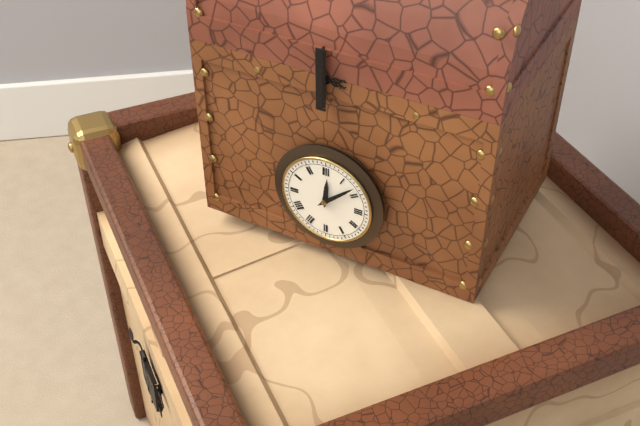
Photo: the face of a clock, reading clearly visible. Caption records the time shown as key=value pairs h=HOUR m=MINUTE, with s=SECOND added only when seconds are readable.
h=12 m=8
